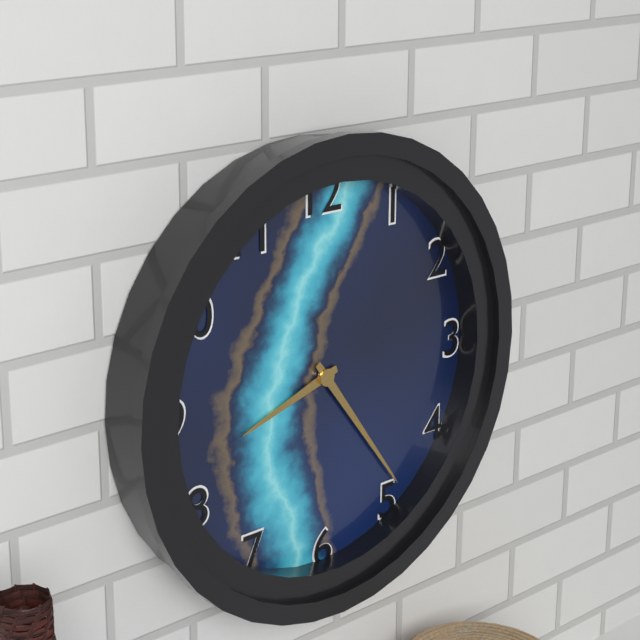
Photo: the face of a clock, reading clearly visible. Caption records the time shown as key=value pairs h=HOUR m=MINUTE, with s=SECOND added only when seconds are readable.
h=8 m=24
